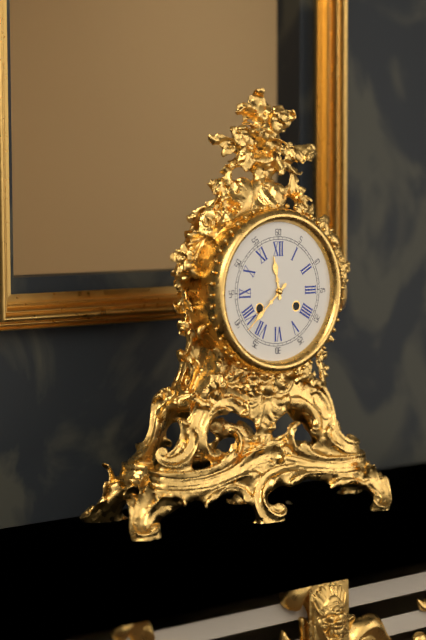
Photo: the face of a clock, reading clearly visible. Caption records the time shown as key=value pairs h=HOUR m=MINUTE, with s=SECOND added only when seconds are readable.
h=11 m=38
